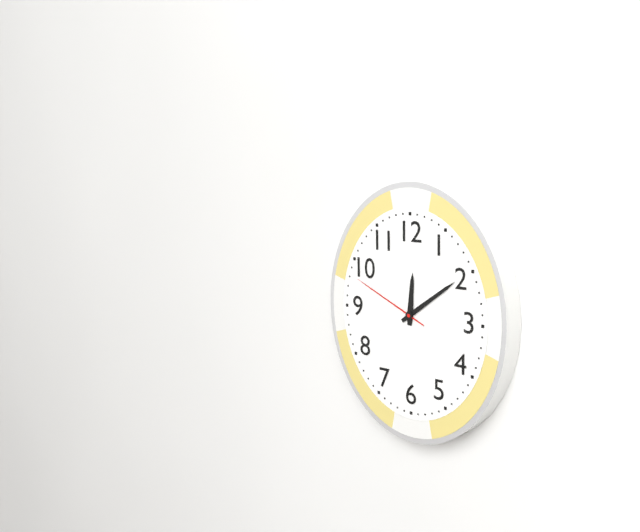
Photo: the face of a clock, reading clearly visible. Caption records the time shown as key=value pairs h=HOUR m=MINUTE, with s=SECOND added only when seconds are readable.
h=12 m=9 s=49
